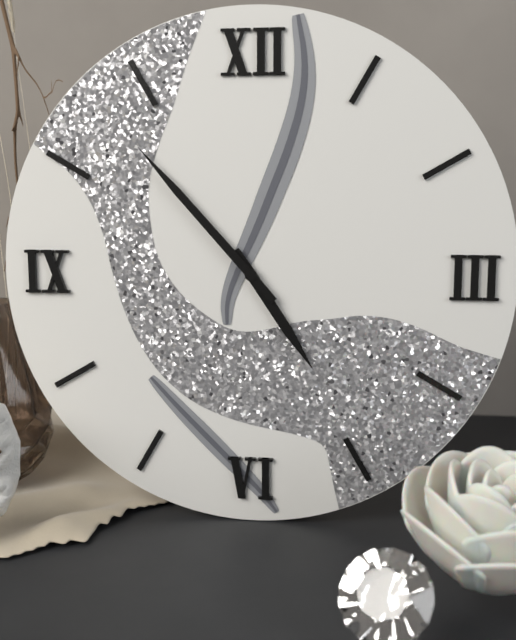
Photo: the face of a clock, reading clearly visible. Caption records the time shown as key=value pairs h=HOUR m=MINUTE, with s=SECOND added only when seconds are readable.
h=4 m=53
